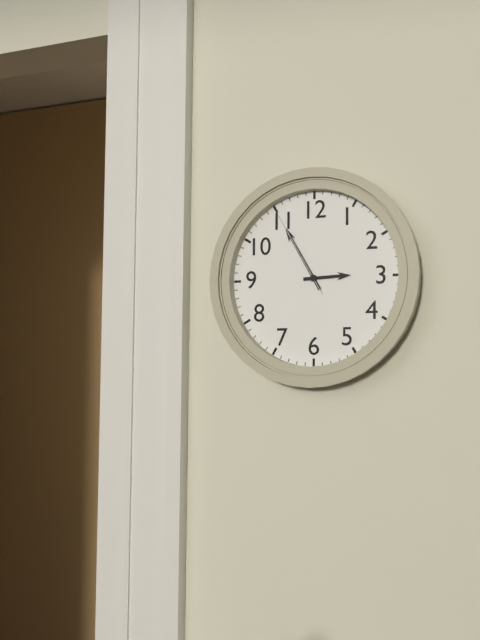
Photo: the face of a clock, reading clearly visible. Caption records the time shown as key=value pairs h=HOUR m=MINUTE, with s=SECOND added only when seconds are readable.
h=2 m=55 s=55
